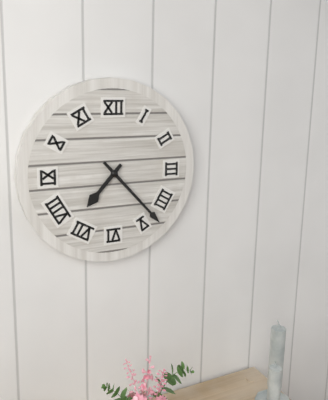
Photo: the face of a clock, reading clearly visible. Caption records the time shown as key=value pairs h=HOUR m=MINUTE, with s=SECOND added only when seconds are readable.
h=7 m=23
